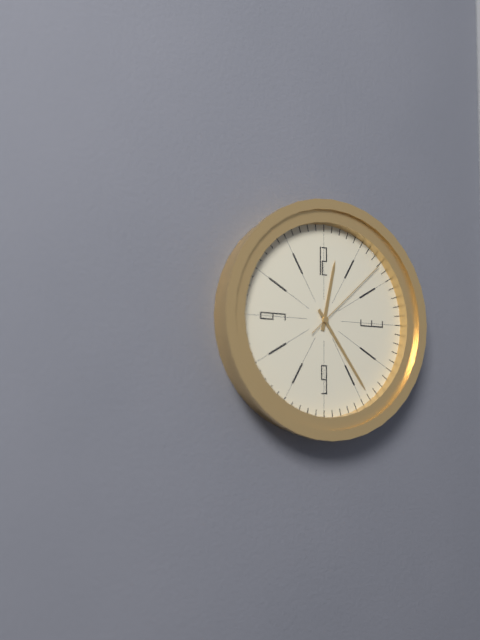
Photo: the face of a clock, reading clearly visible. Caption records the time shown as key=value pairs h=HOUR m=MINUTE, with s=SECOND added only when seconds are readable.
h=12 m=24 s=8
